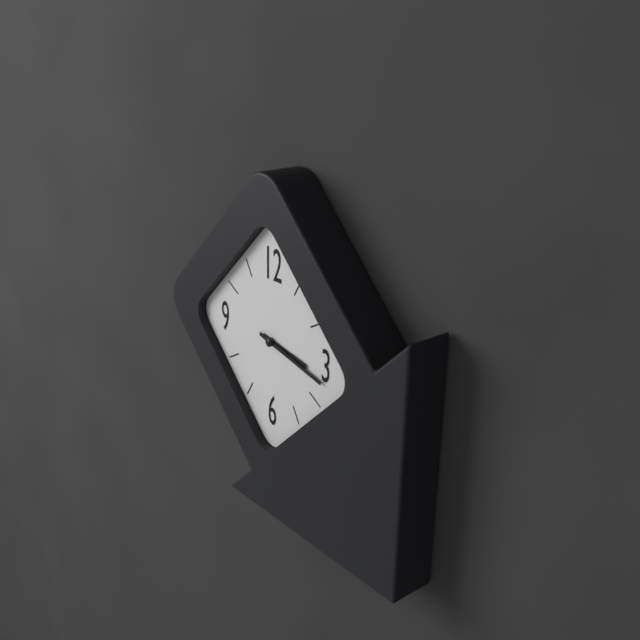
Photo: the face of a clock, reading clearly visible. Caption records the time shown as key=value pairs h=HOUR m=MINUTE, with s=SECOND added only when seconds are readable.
h=3 m=17
